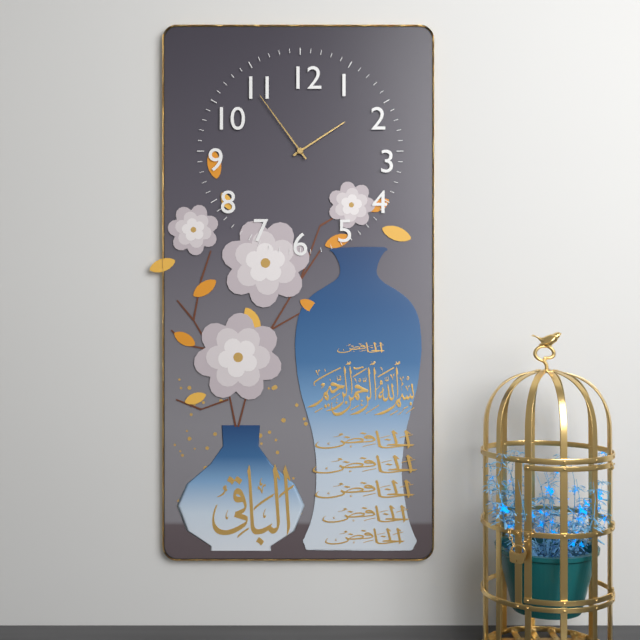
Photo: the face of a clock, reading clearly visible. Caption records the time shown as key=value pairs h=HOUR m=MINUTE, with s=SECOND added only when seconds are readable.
h=1 m=54
